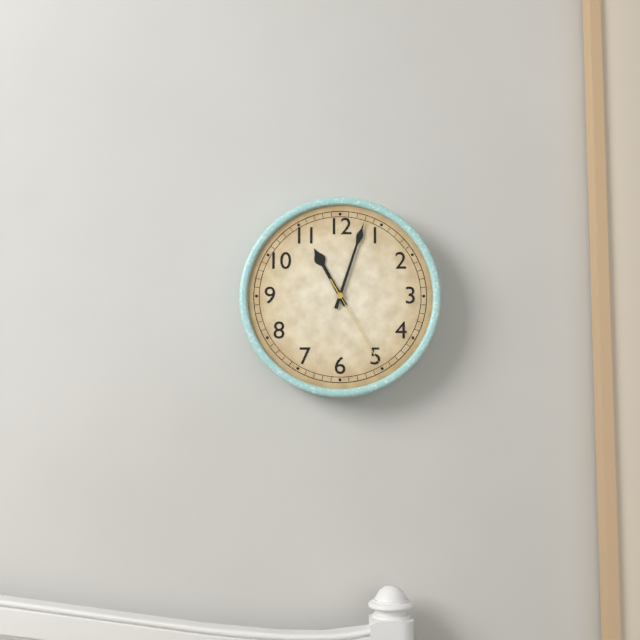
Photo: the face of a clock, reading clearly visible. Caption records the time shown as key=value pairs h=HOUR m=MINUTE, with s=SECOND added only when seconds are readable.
h=11 m=3 s=25
